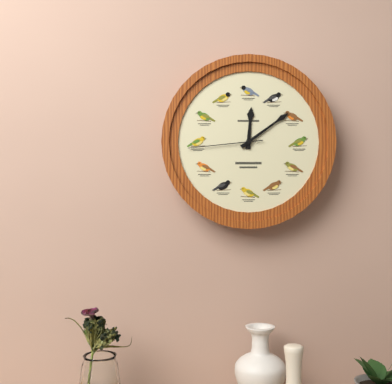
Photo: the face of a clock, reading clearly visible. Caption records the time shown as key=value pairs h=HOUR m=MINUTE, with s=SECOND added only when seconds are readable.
h=12 m=9 s=44
